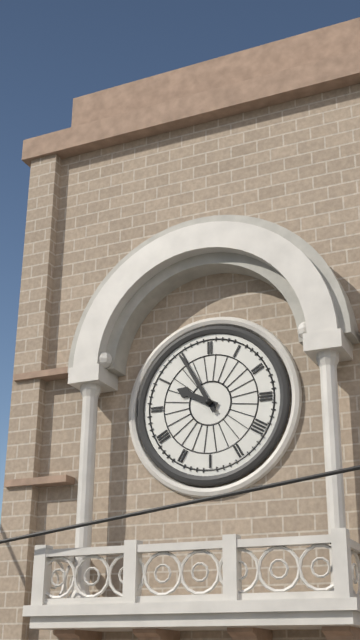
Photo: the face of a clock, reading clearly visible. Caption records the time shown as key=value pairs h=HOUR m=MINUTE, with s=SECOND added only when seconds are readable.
h=9 m=55
